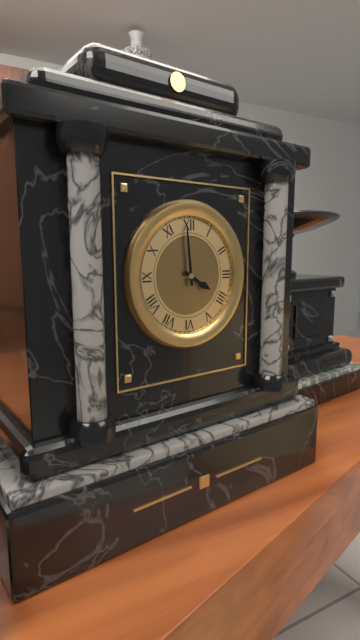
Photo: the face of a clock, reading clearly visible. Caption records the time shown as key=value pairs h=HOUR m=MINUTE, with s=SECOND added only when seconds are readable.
h=3 m=59
